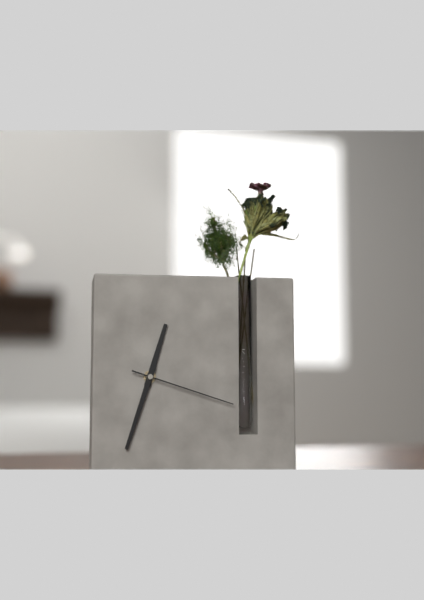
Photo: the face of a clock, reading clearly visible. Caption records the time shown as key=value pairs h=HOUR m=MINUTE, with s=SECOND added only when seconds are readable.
h=12 m=33 s=18
